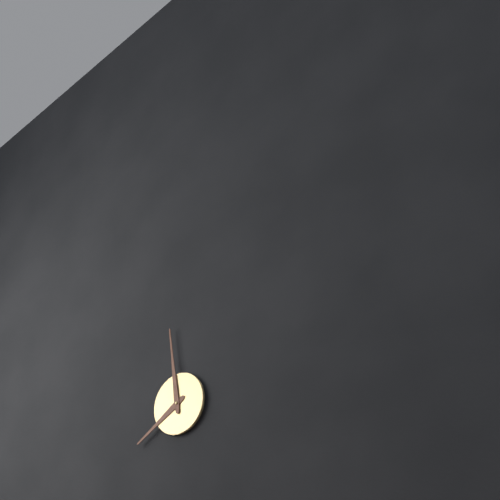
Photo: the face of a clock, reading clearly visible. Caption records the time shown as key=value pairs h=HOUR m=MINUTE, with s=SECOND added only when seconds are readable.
h=7 m=59
